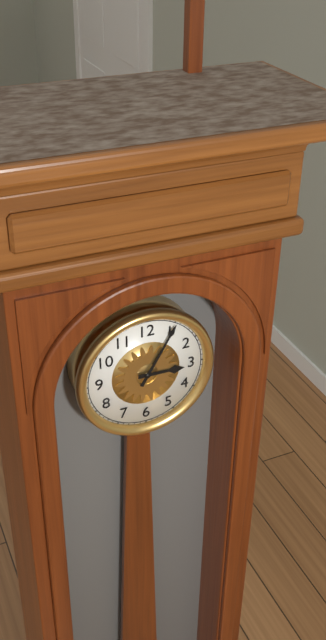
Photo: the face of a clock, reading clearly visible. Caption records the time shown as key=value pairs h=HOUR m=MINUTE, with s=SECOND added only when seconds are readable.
h=3 m=5
